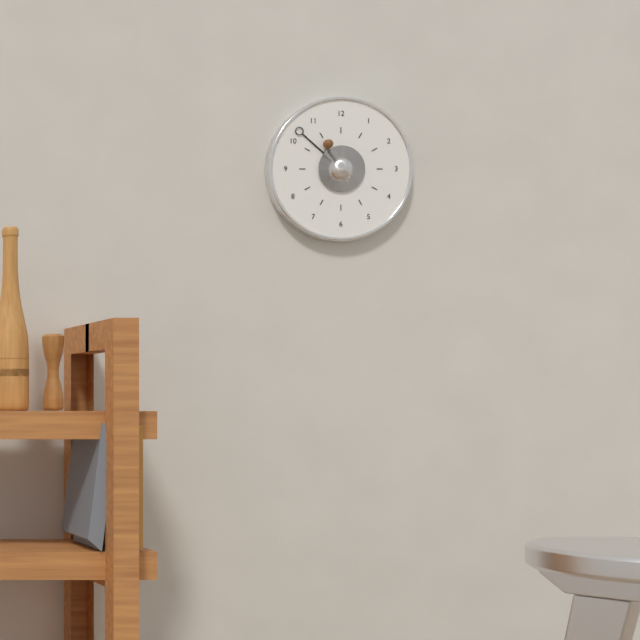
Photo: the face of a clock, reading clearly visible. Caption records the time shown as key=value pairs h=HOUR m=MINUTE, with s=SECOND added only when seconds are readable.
h=10 m=52
